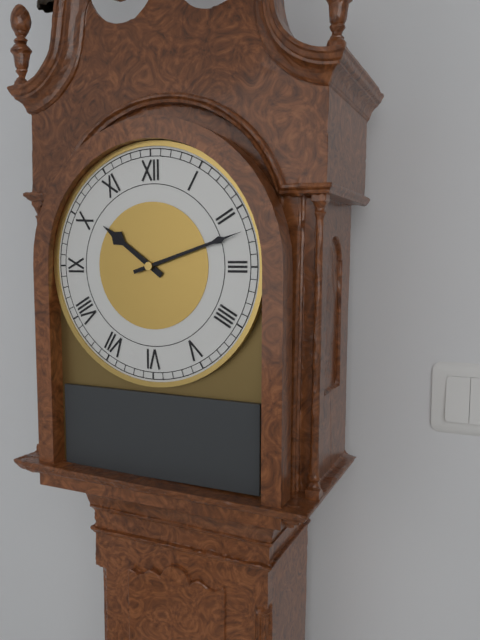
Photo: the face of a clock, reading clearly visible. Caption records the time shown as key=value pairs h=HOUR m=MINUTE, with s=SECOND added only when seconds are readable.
h=10 m=12
